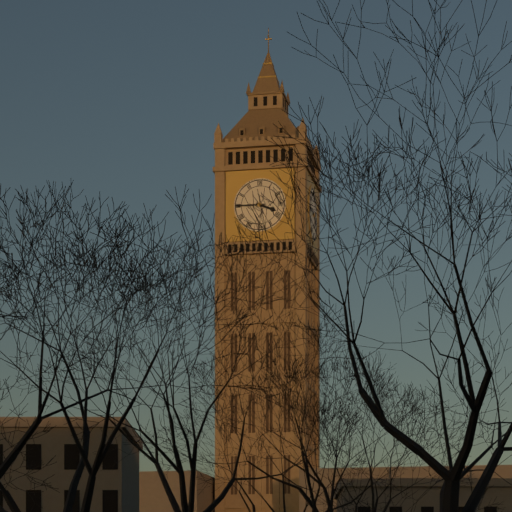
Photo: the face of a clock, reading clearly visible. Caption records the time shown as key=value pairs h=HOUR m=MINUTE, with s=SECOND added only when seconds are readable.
h=3 m=45
